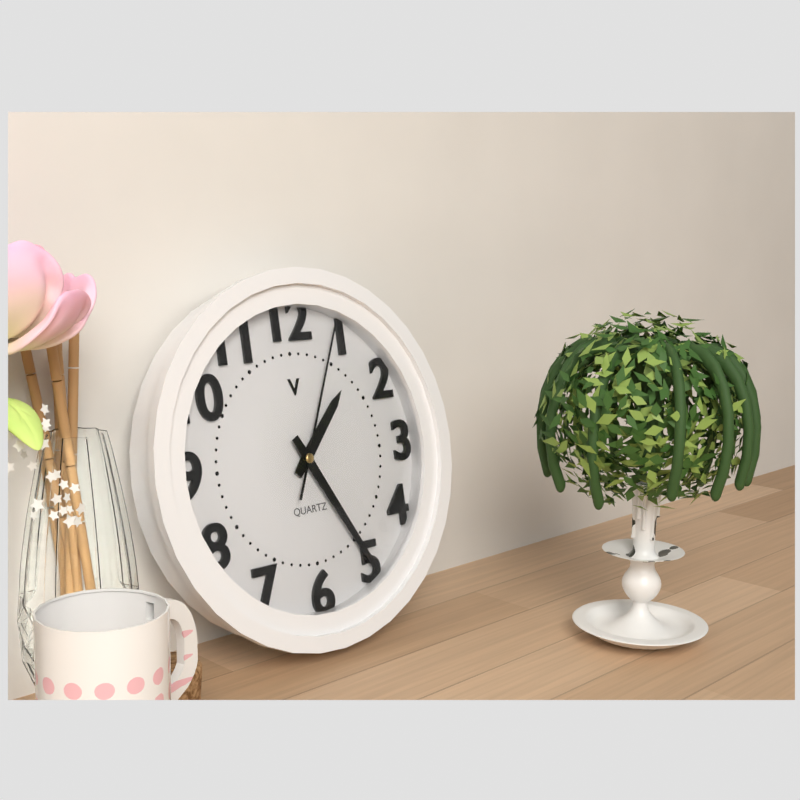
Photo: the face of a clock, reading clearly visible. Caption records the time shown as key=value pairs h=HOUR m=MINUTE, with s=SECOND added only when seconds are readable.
h=1 m=25 s=4
